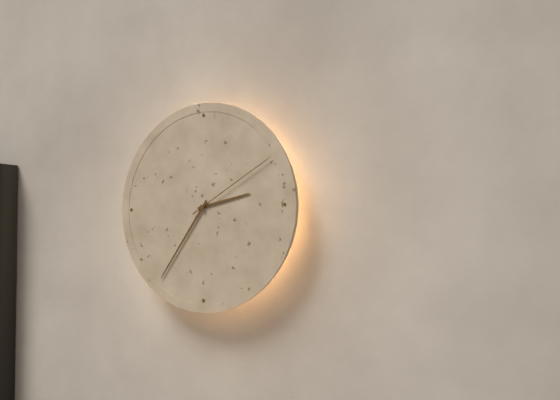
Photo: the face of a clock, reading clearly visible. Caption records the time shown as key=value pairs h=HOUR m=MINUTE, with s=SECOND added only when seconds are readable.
h=2 m=36 s=10
